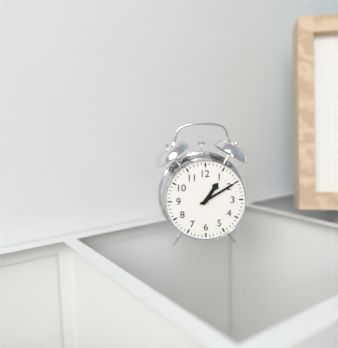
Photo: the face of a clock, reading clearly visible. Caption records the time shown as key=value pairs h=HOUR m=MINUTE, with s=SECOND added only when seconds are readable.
h=1 m=10
